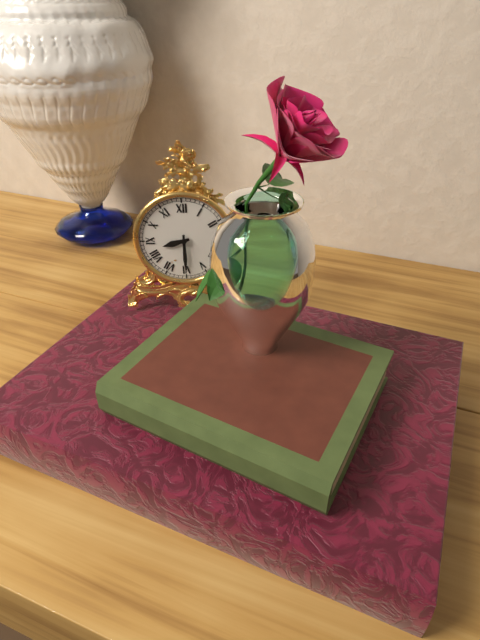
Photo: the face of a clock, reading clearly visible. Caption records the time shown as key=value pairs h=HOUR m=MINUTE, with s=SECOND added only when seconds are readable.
h=8 m=30
